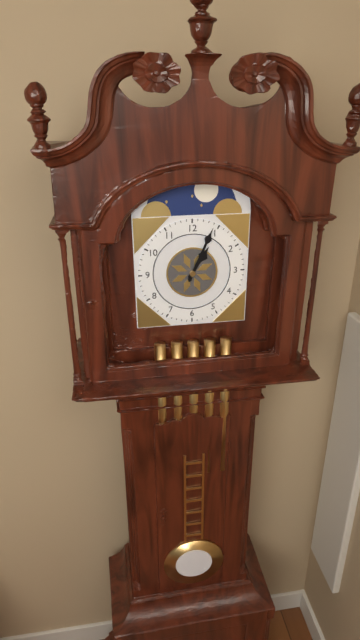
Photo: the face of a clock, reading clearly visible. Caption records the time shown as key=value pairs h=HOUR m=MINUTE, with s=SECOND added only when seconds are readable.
h=1 m=4
